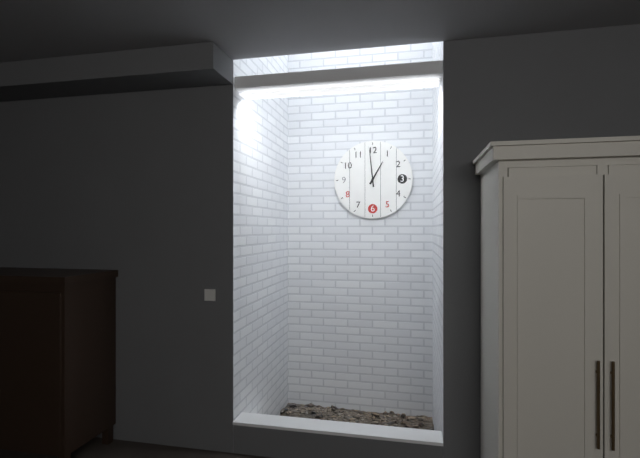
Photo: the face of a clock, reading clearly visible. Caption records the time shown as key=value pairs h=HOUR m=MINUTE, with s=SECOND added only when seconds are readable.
h=12 m=59
